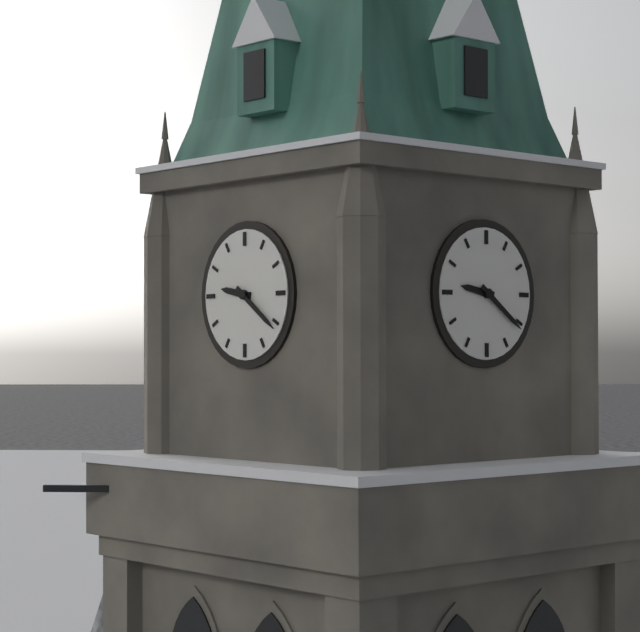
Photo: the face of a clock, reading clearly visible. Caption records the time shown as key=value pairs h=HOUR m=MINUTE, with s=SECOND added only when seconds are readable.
h=9 m=21
